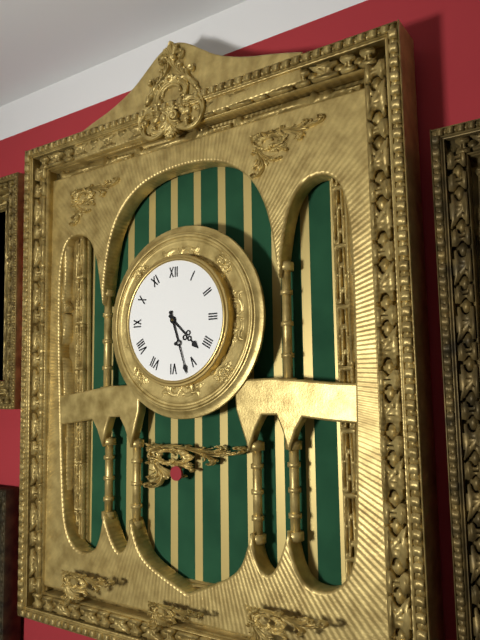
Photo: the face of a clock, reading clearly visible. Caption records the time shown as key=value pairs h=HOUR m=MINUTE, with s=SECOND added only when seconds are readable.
h=4 m=27
